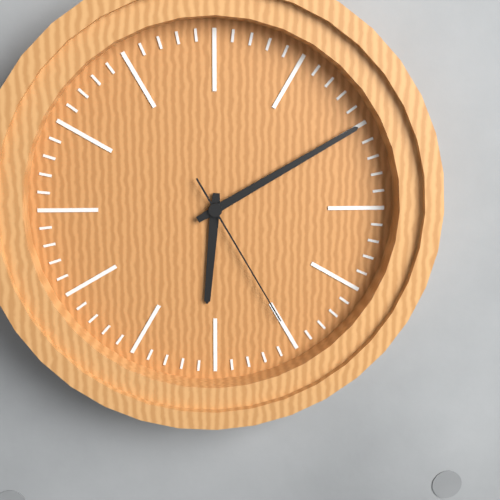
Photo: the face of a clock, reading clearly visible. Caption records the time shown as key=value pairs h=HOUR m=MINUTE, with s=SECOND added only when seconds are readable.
h=6 m=10 s=25
